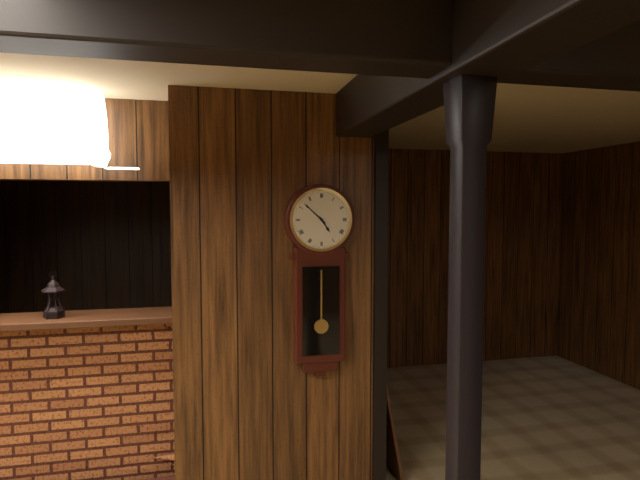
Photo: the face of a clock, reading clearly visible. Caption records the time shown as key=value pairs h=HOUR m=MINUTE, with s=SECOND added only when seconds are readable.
h=4 m=52
